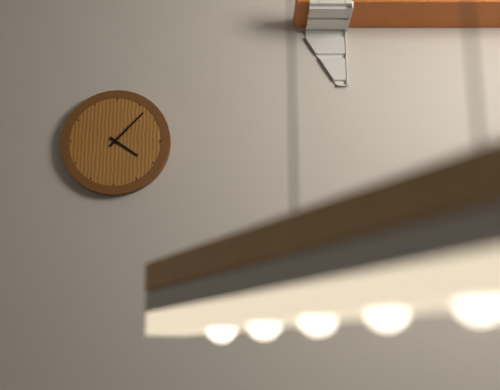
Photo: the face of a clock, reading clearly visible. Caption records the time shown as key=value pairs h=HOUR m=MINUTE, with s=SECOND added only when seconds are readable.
h=4 m=7
